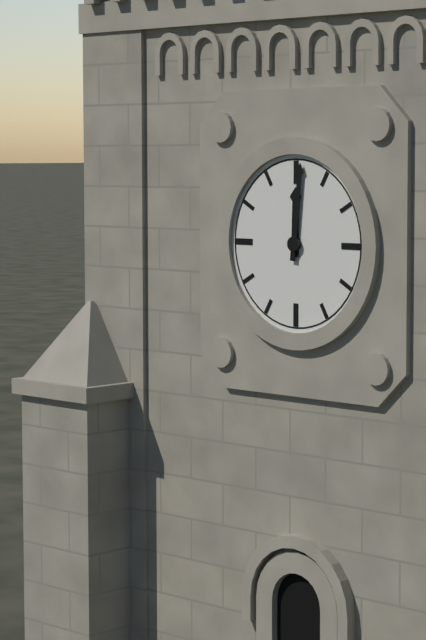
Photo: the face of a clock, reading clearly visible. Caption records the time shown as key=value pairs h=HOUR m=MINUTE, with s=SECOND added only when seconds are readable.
h=12 m=1
